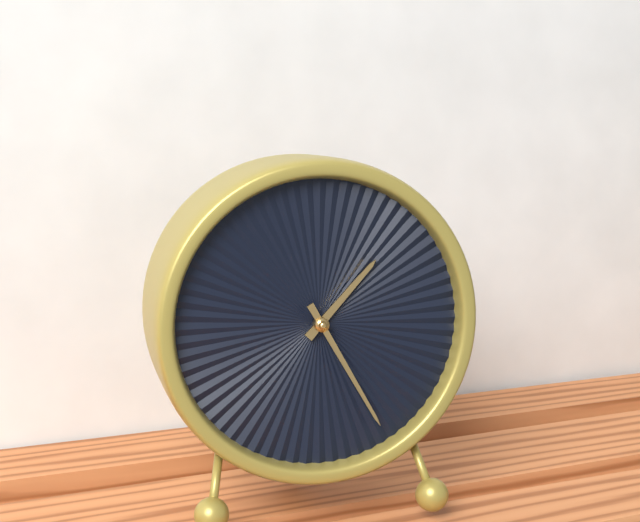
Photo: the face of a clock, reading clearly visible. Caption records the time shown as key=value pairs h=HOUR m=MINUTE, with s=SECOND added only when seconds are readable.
h=1 m=25
